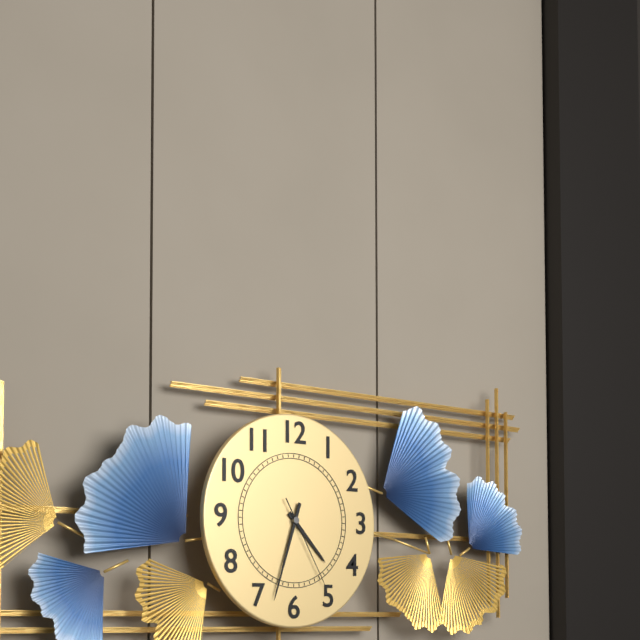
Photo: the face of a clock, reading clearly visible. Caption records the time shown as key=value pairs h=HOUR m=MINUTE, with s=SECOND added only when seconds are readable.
h=4 m=33 s=25
